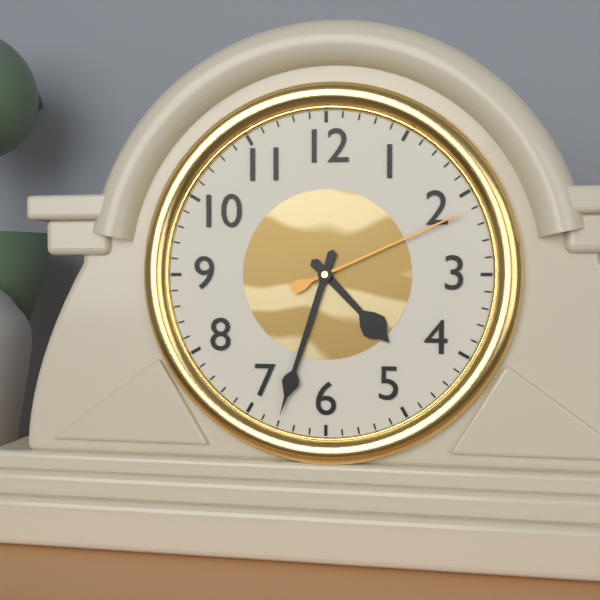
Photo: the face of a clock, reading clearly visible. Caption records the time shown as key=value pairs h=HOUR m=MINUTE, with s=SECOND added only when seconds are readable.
h=4 m=33 s=11
